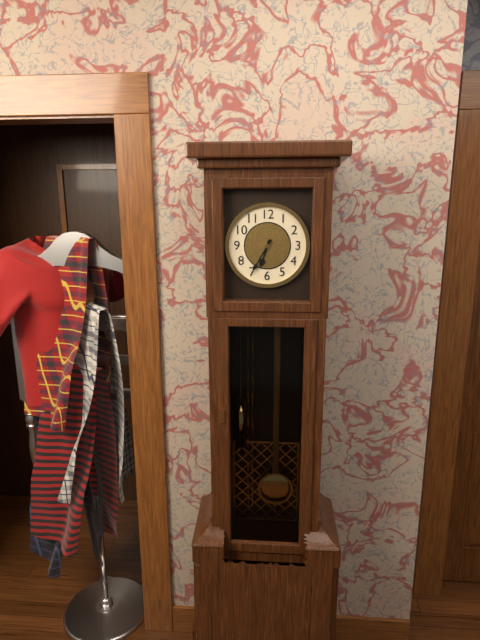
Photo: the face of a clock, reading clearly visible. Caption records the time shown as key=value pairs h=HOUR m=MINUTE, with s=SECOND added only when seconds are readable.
h=6 m=35
